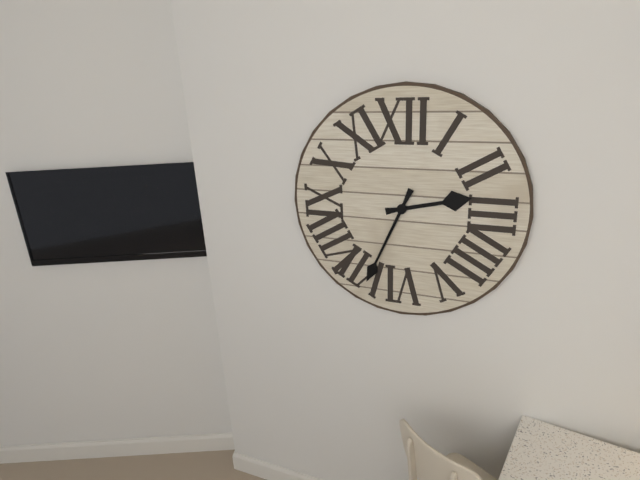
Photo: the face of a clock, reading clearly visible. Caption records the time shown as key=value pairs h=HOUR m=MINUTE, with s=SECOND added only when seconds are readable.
h=2 m=34
